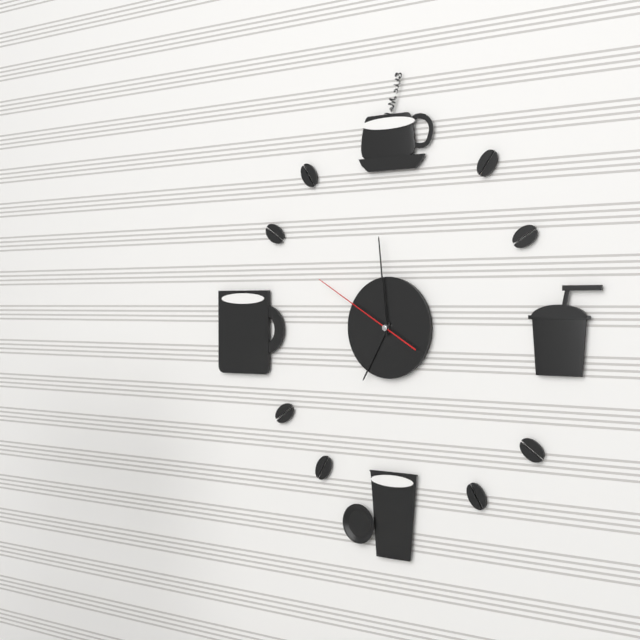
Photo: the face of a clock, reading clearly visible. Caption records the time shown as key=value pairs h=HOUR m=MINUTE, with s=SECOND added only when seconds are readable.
h=6 m=59 s=50
